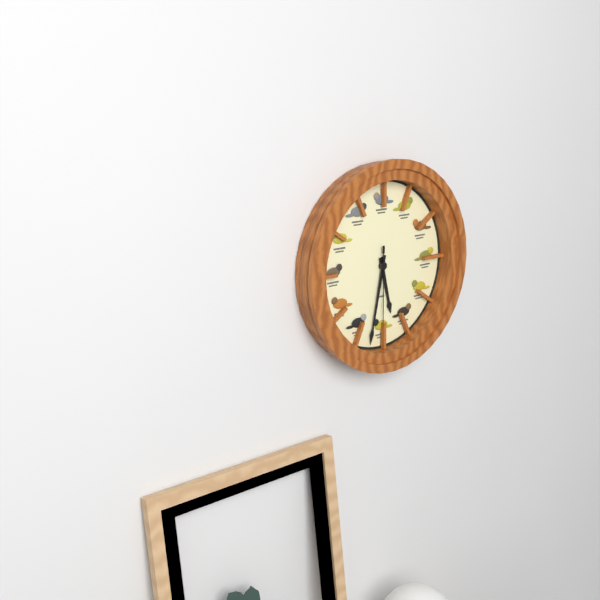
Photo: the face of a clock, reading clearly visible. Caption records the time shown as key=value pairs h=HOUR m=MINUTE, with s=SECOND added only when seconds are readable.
h=5 m=32
